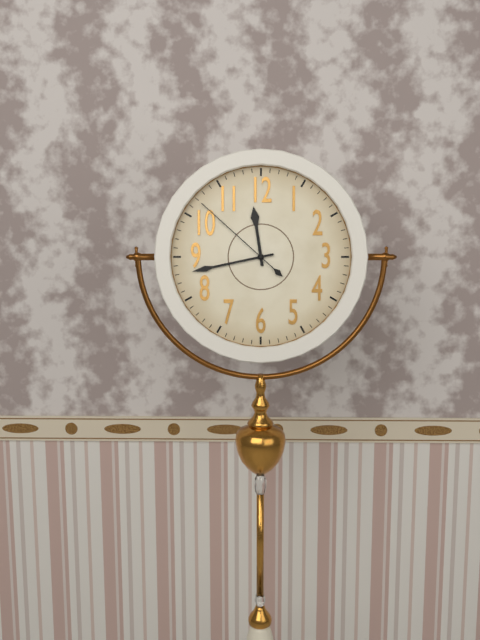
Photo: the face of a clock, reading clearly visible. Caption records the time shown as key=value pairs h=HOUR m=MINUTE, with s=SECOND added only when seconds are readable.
h=11 m=43 s=52
